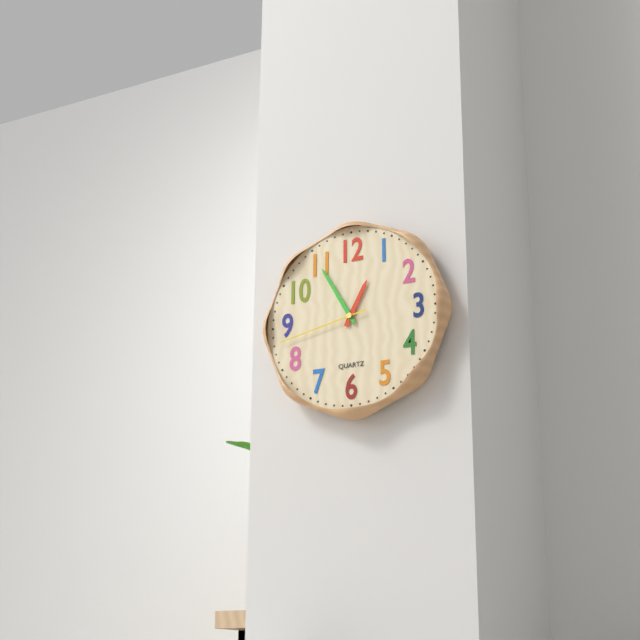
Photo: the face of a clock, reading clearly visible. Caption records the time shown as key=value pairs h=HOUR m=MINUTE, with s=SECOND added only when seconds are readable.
h=12 m=55 s=43
